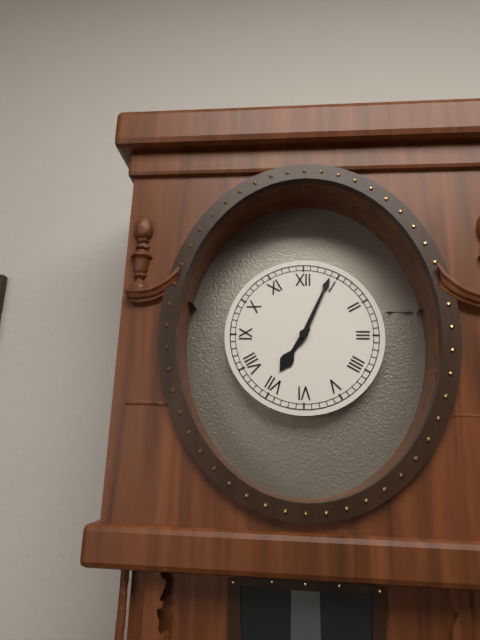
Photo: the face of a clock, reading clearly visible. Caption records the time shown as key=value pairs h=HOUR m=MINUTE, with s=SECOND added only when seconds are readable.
h=7 m=4
